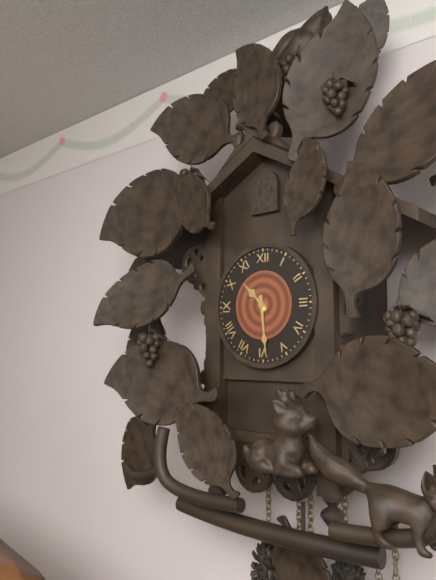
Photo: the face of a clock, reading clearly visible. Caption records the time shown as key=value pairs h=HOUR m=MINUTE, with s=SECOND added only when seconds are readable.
h=10 m=29
